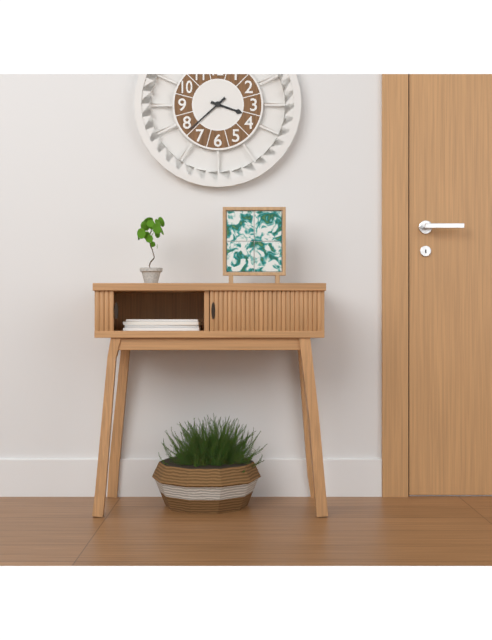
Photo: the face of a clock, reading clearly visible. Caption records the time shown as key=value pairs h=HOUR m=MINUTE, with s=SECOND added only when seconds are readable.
h=3 m=38
